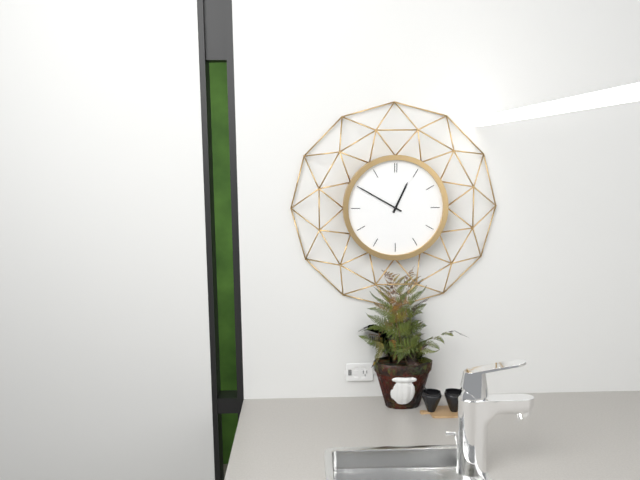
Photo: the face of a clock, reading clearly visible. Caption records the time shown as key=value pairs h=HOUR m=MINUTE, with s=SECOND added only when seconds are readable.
h=12 m=50
